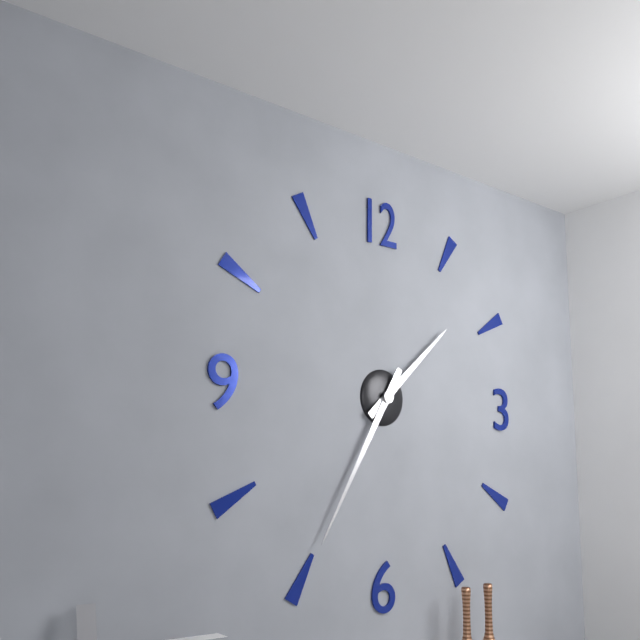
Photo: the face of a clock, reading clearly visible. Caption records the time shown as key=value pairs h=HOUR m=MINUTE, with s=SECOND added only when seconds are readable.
h=1 m=35
